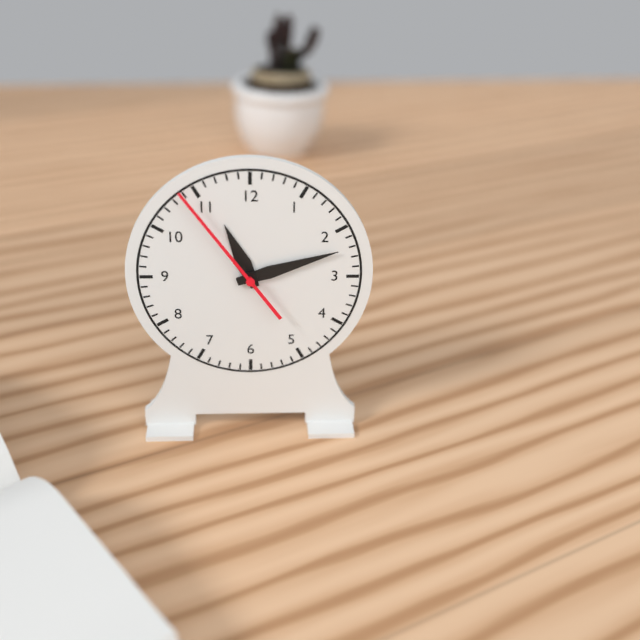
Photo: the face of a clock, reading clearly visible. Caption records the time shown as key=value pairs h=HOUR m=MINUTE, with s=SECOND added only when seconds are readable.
h=11 m=12 s=54
